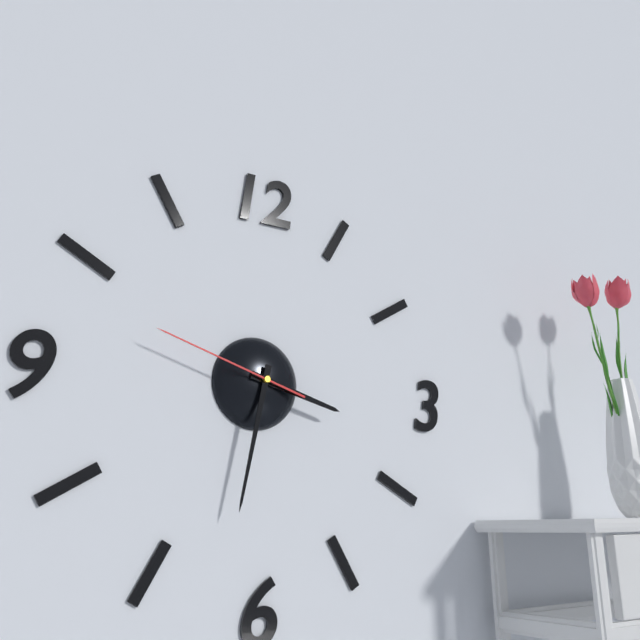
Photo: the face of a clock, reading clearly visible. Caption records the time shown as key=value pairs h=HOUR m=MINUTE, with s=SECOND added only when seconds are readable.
h=3 m=32 s=48
